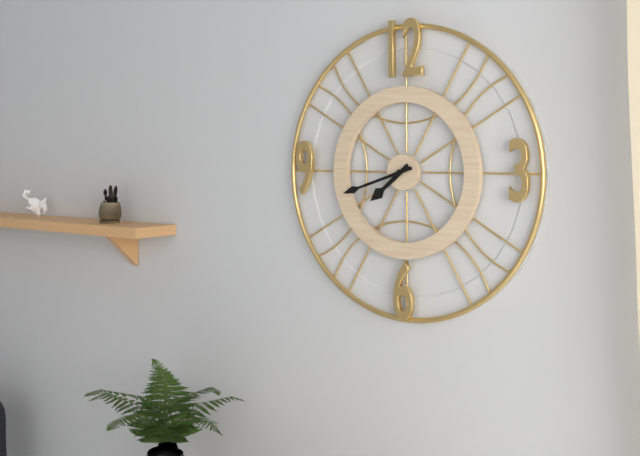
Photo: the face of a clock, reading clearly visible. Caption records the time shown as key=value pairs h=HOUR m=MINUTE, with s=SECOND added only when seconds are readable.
h=7 m=42
